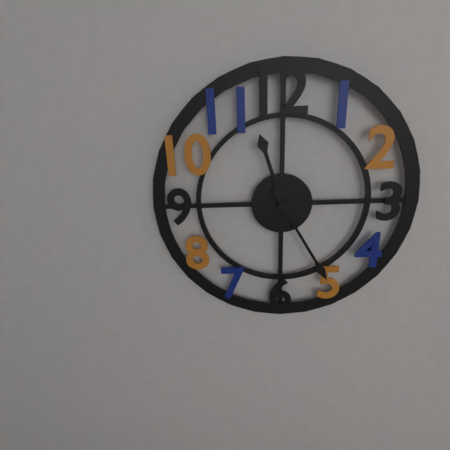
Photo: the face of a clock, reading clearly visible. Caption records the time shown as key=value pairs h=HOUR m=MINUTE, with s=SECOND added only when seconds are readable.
h=11 m=25
